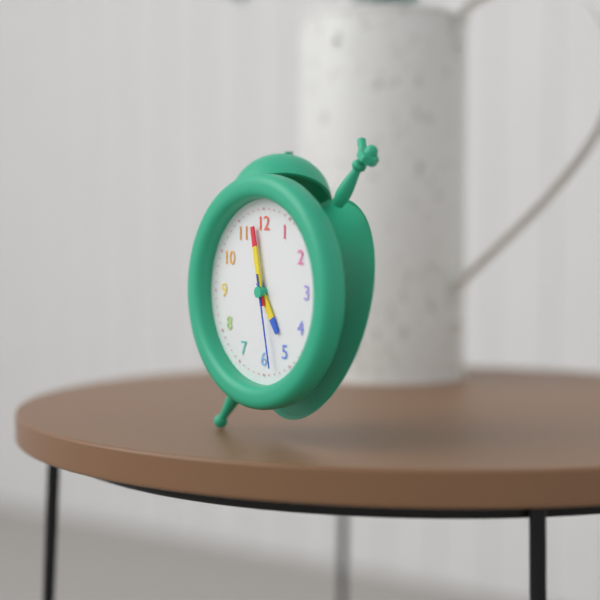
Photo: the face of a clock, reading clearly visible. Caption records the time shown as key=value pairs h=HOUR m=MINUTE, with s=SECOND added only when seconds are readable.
h=4 m=58 s=28
